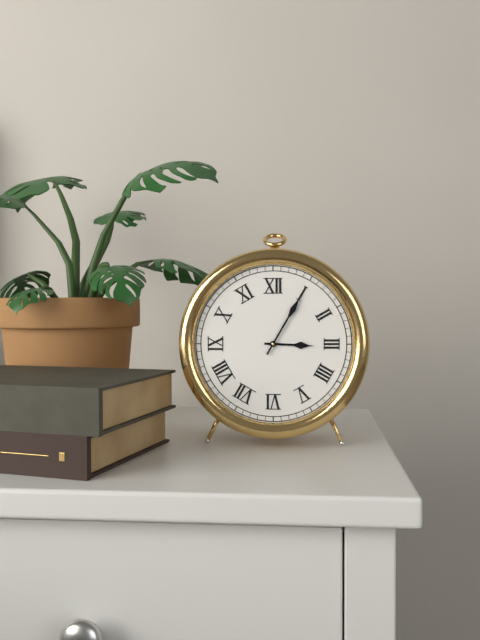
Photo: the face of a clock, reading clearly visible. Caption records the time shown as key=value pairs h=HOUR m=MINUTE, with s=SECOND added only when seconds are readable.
h=3 m=5
